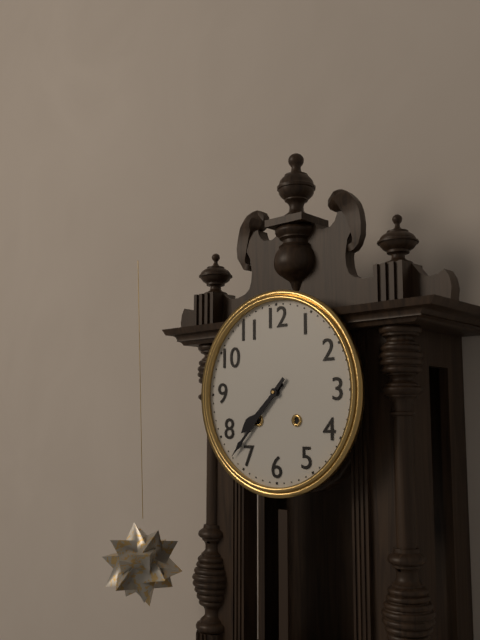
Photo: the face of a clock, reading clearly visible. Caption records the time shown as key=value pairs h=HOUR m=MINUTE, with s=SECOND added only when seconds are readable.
h=7 m=37
